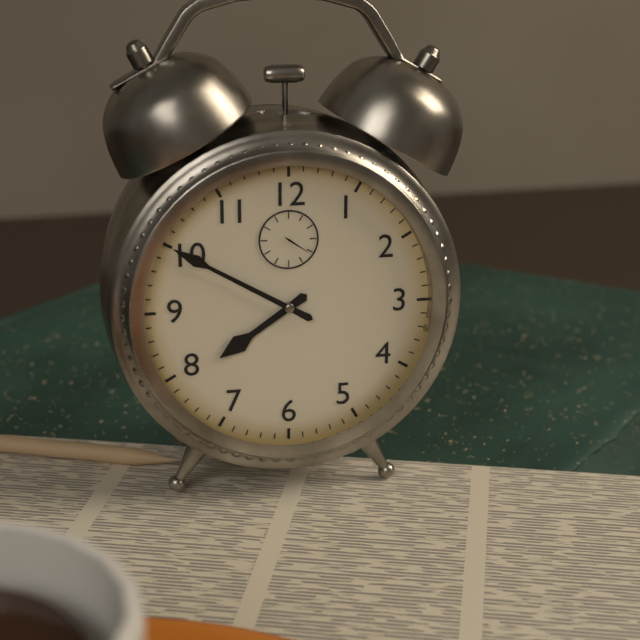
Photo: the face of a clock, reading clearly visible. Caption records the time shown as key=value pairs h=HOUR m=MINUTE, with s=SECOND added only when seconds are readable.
h=7 m=50
